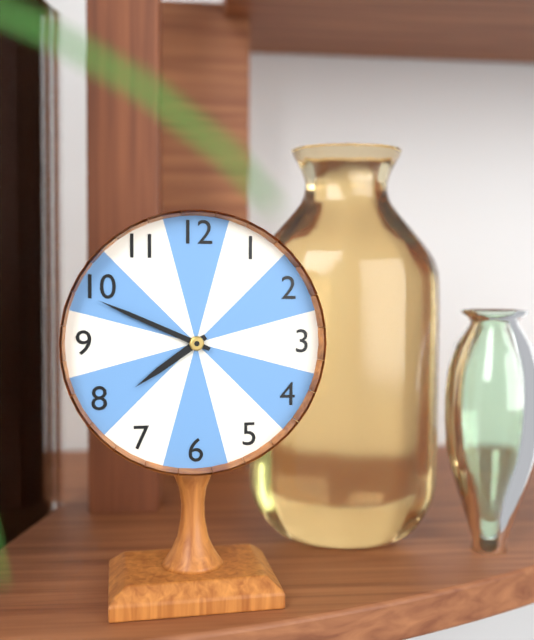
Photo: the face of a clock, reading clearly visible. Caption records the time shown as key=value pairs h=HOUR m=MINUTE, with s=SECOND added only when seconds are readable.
h=7 m=49
